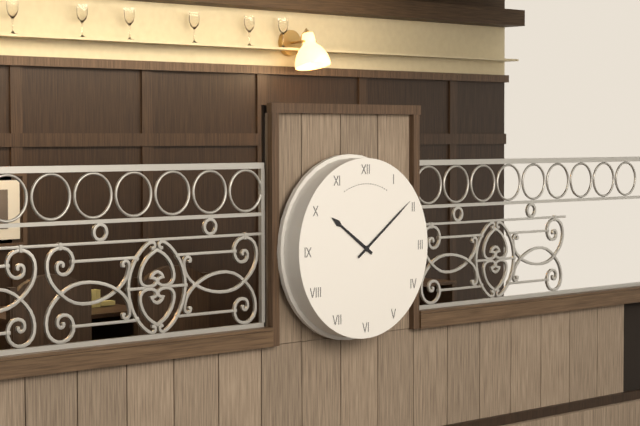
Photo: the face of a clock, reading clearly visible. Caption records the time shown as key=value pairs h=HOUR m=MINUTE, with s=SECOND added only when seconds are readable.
h=10 m=9
